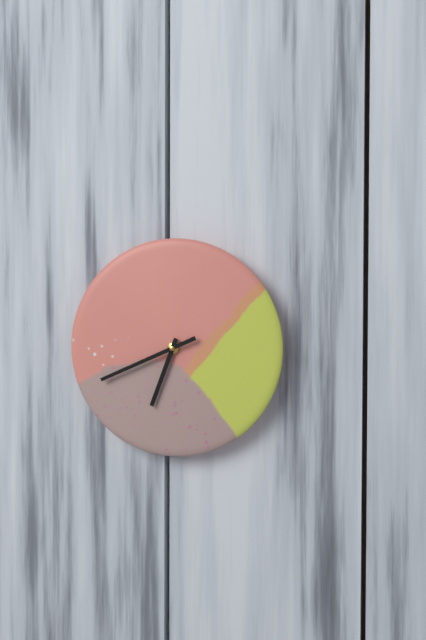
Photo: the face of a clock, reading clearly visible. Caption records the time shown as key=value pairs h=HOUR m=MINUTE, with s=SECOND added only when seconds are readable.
h=6 m=41
